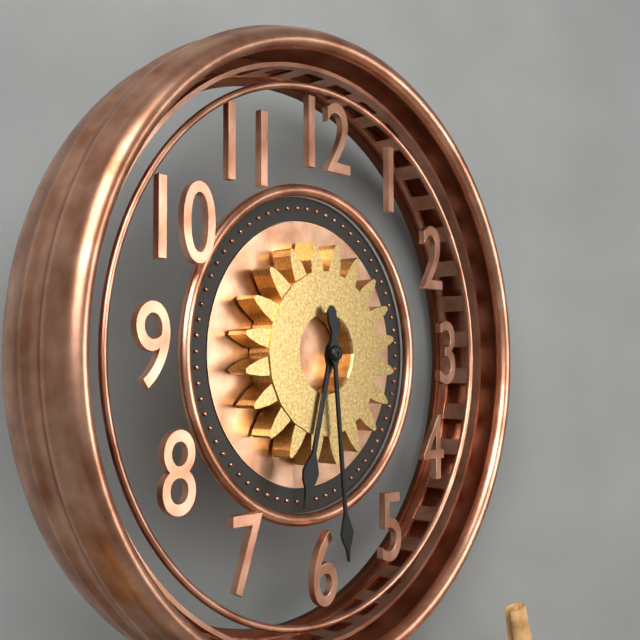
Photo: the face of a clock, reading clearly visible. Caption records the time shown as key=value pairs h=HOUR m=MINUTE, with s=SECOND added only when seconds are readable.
h=6 m=29
